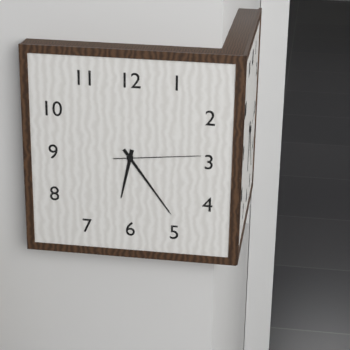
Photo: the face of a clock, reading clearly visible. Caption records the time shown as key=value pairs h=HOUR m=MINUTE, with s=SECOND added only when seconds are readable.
h=6 m=24 s=14
